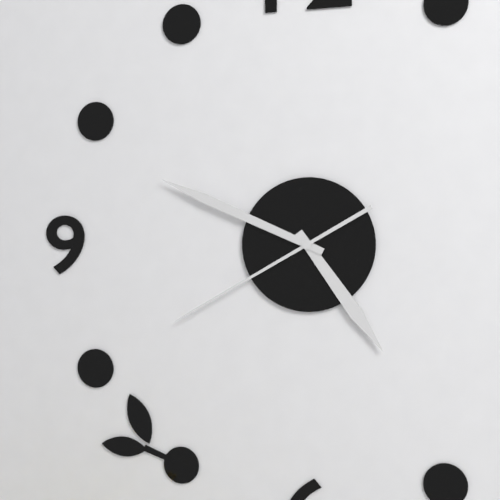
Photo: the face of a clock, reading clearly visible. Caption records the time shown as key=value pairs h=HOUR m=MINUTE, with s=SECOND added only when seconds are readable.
h=4 m=49 s=40
